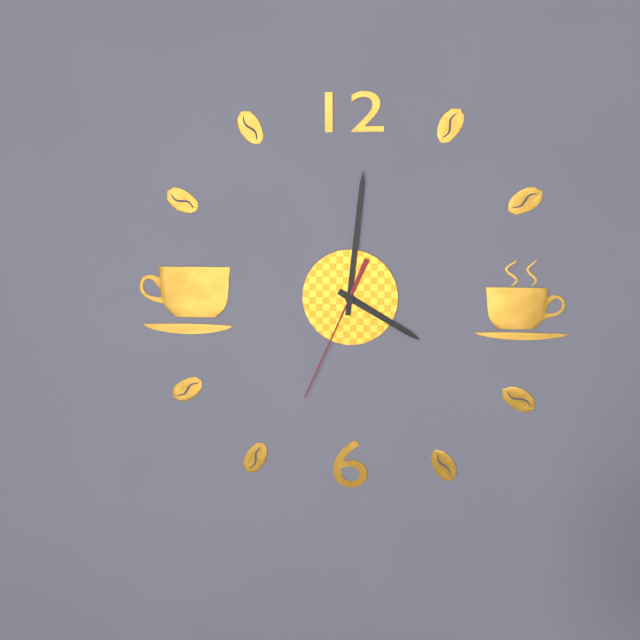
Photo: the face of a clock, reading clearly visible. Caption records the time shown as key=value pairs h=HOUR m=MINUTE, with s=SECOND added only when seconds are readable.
h=4 m=1 s=34
